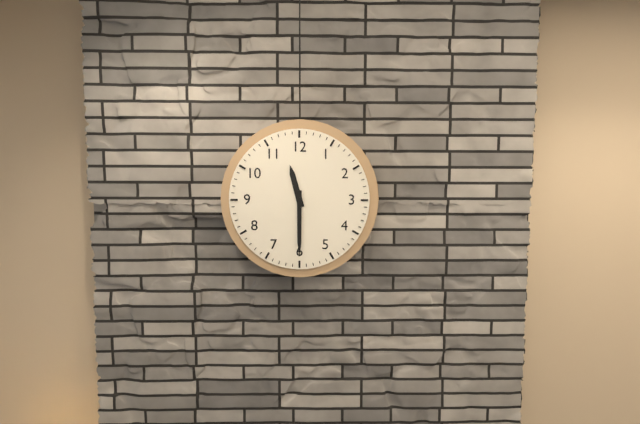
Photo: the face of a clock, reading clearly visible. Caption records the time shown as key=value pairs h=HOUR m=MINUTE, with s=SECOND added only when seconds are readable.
h=11 m=30
